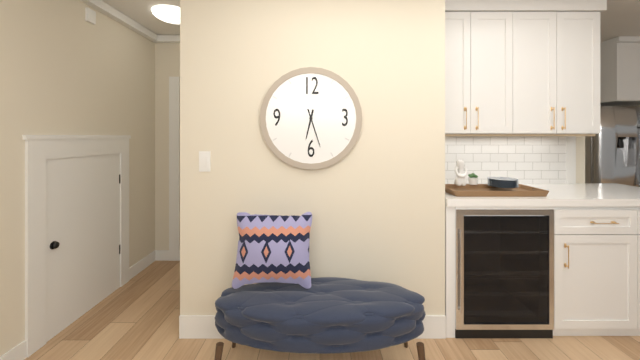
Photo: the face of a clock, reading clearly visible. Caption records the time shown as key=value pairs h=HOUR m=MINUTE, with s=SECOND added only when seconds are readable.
h=6 m=27
